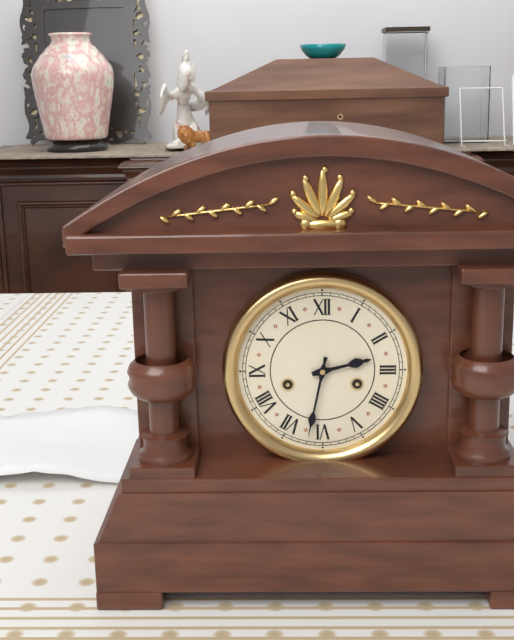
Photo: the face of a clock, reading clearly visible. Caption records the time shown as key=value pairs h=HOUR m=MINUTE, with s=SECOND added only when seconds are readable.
h=2 m=32
